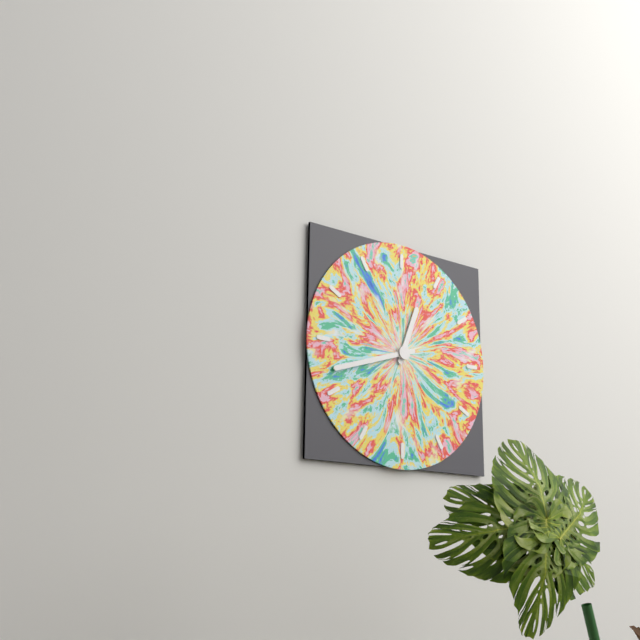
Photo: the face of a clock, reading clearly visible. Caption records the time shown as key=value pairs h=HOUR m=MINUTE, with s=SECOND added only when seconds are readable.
h=12 m=42
